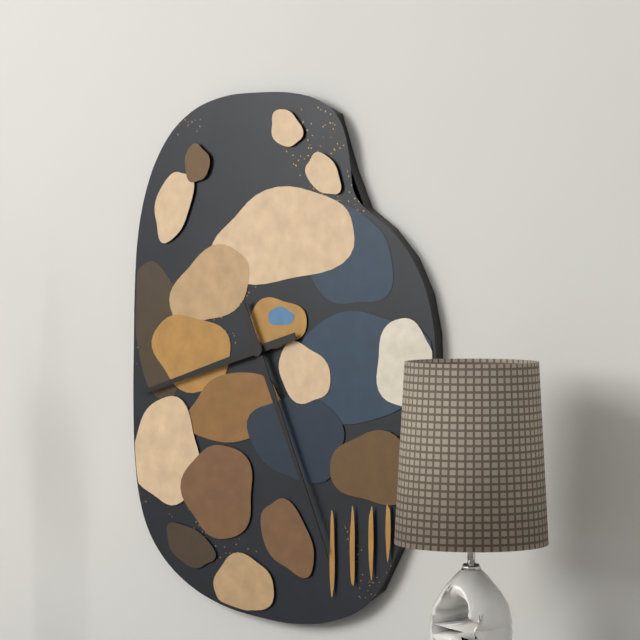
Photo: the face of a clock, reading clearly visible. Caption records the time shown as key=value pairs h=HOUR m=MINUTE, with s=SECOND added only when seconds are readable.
h=8 m=26
